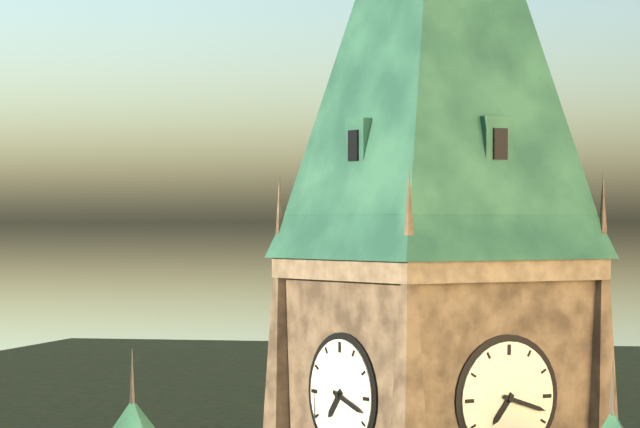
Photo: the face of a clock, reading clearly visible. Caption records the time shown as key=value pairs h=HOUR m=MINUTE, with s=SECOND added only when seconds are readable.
h=7 m=18
